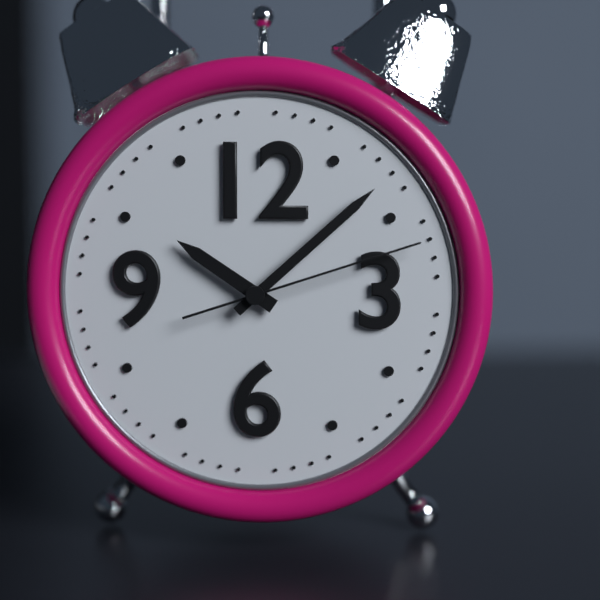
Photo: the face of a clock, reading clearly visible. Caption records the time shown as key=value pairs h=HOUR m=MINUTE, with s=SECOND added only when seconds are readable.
h=10 m=8 s=12
